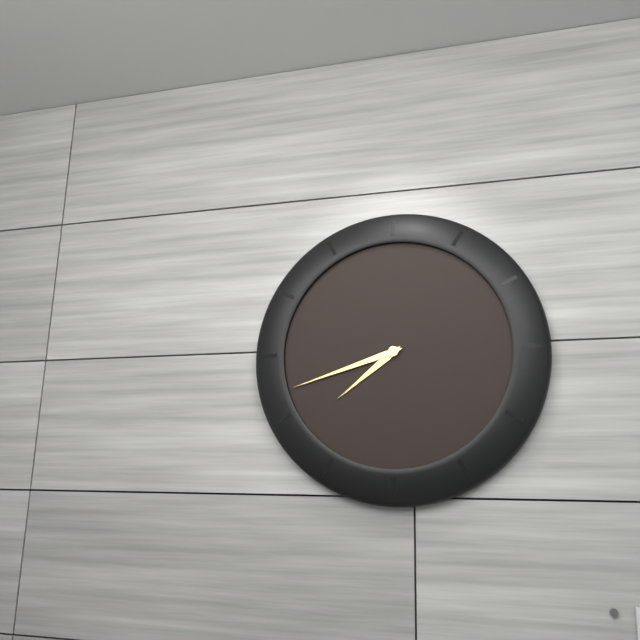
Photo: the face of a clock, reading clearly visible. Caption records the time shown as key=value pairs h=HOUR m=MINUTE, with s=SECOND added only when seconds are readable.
h=7 m=42
